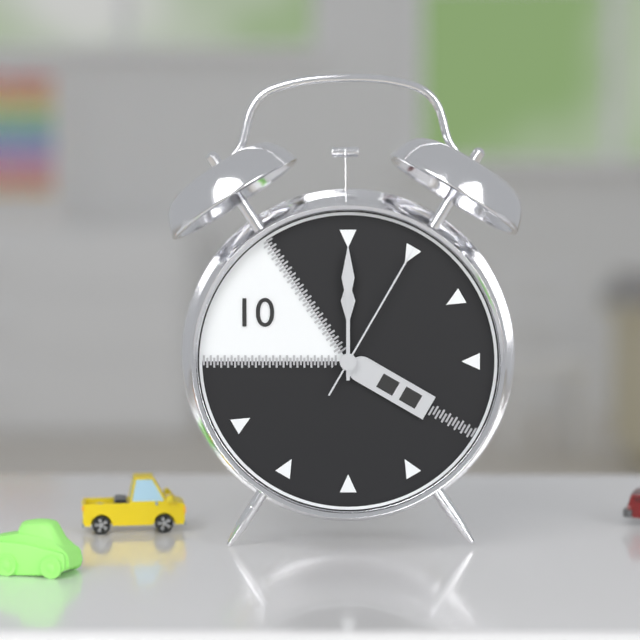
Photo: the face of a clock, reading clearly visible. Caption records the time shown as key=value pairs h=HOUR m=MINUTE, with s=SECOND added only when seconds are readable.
h=12 m=0 s=5
